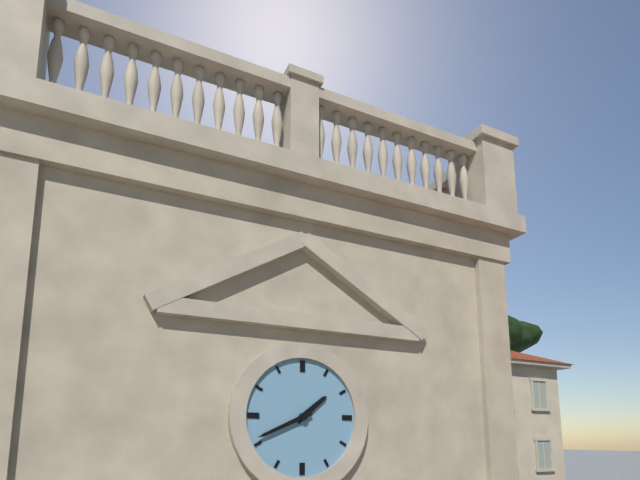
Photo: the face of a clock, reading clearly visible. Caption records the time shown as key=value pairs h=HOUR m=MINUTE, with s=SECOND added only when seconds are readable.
h=1 m=41
